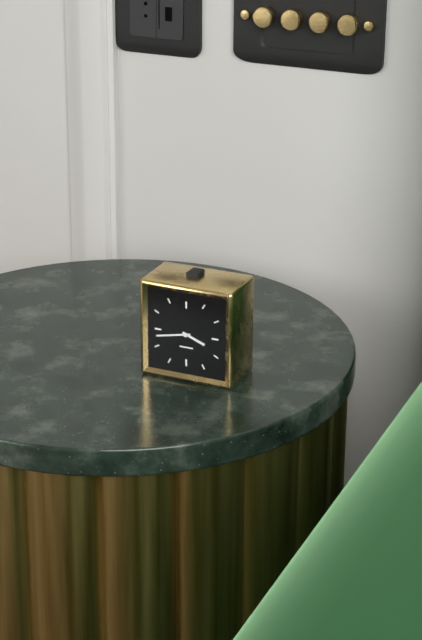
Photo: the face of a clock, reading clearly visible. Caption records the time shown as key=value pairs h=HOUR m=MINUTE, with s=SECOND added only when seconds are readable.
h=3 m=43
